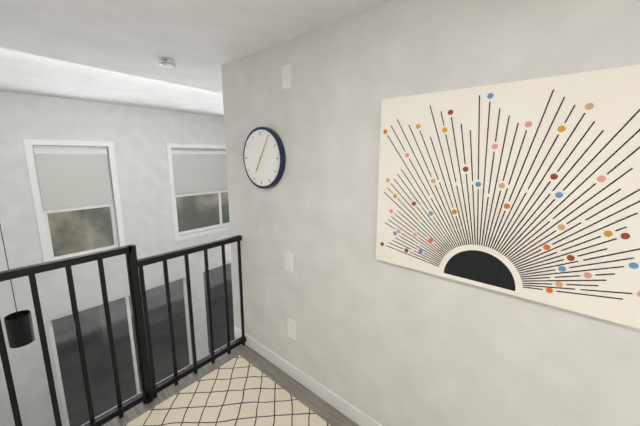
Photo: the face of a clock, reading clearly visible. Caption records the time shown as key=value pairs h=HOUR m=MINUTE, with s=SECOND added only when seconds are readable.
h=7 m=5
